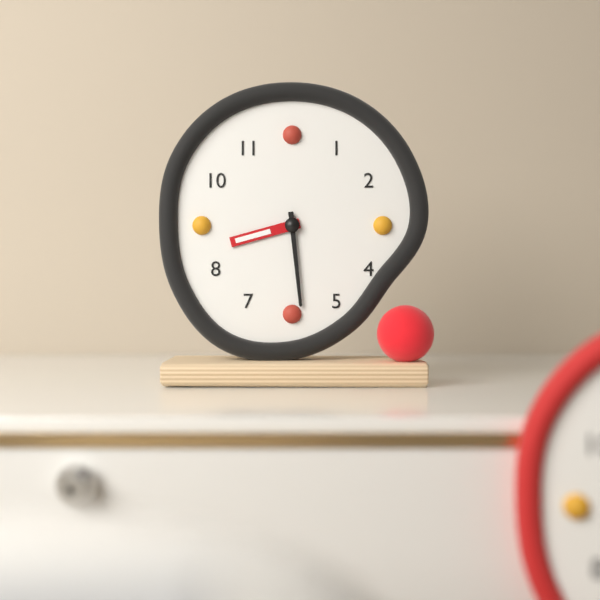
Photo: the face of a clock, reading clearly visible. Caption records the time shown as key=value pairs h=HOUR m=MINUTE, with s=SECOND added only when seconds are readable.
h=8 m=29
